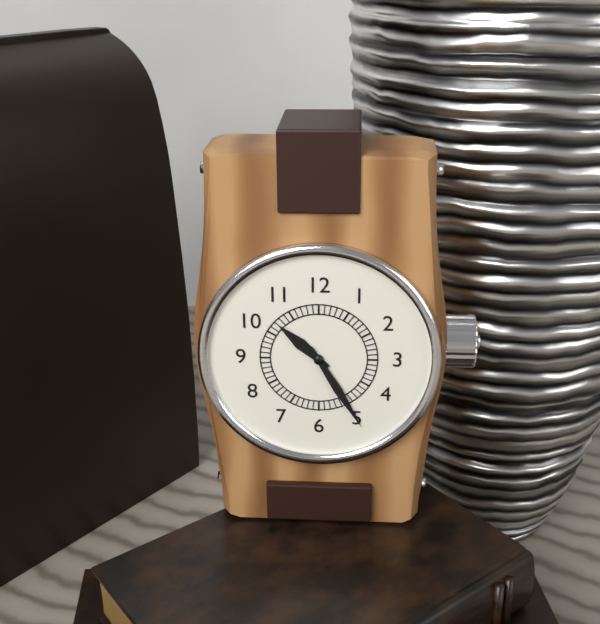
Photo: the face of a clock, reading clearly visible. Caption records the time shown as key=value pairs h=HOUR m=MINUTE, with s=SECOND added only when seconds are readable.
h=10 m=25
